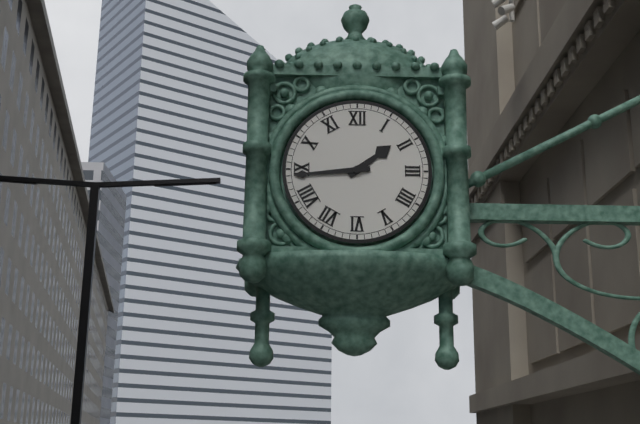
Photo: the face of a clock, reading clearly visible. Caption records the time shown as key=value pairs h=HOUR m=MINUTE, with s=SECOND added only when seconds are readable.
h=1 m=44
